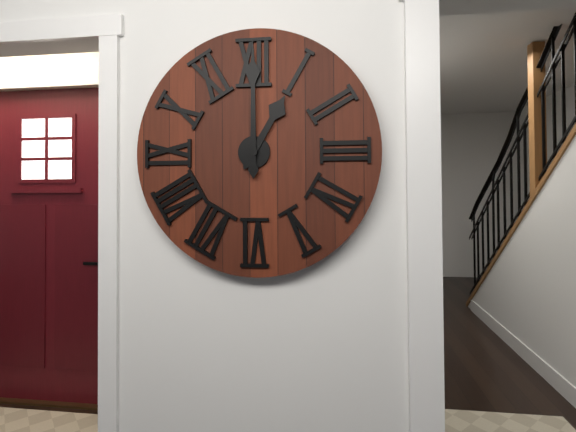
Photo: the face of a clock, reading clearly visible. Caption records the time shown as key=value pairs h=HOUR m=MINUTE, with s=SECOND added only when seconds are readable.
h=1 m=0
